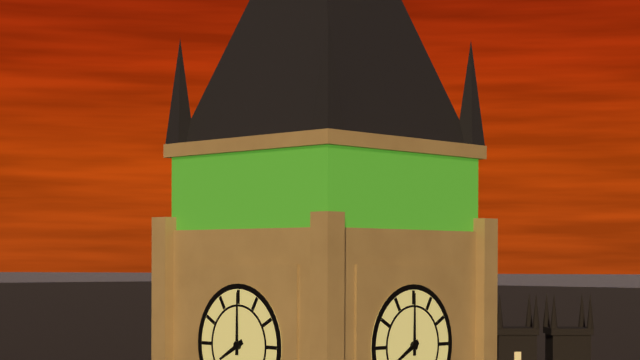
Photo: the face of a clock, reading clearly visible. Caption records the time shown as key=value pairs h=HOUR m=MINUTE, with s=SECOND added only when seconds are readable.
h=8 m=0
